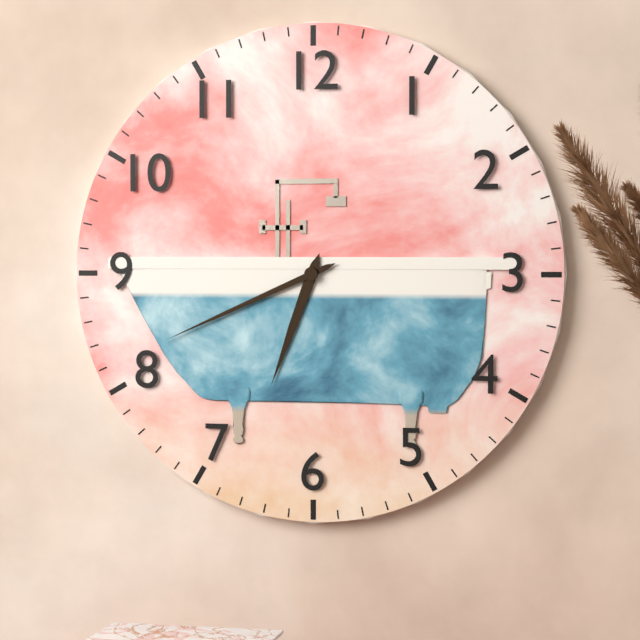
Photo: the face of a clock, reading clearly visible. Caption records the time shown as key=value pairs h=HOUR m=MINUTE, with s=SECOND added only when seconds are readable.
h=6 m=41
